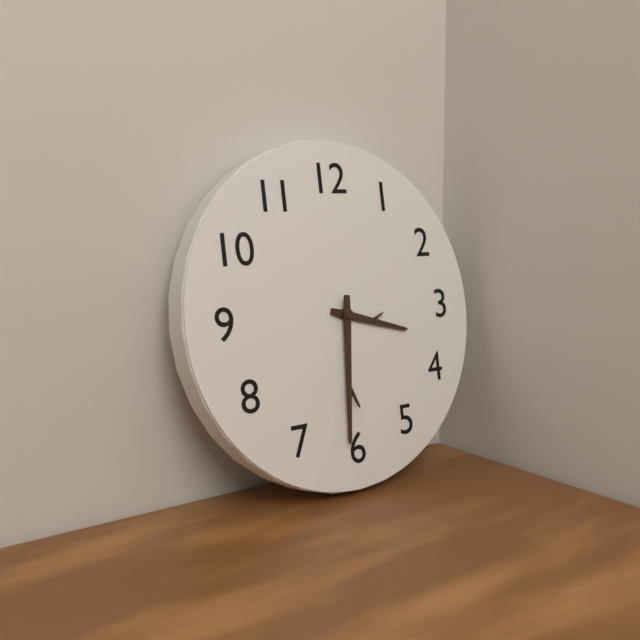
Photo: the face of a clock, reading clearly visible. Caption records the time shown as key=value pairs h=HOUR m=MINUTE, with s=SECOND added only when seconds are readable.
h=3 m=31
